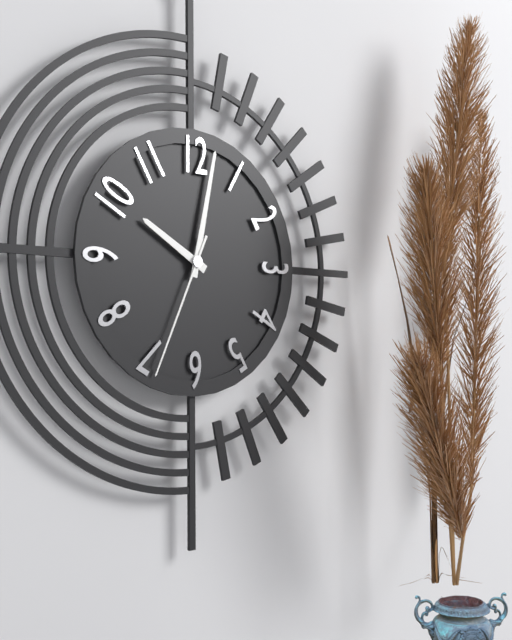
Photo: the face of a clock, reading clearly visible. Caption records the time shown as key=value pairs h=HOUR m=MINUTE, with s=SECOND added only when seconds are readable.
h=10 m=2 s=34
